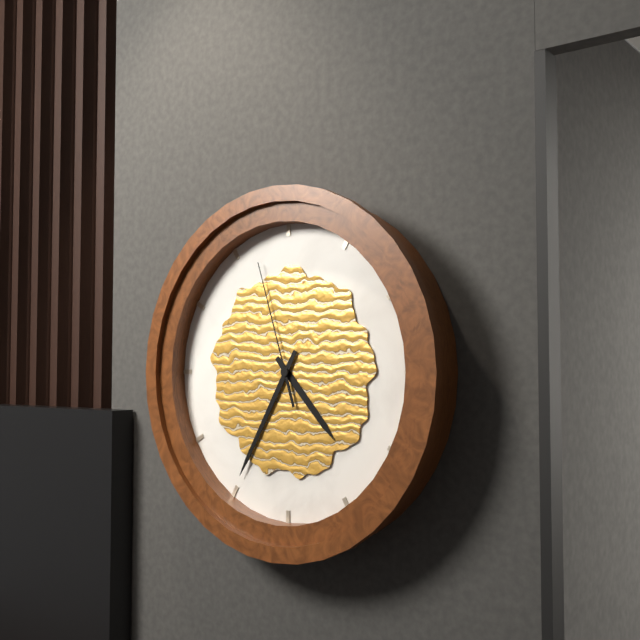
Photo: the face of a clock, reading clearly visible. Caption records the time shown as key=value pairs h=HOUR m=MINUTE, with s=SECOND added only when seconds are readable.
h=4 m=35 s=57
